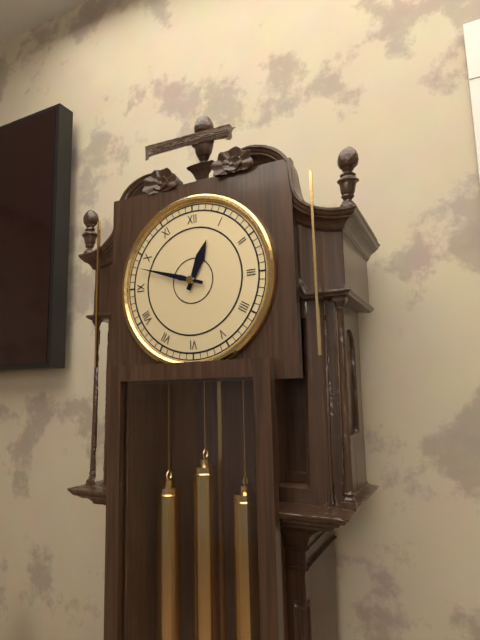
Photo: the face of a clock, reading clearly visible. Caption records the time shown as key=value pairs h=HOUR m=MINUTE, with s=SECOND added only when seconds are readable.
h=12 m=48
